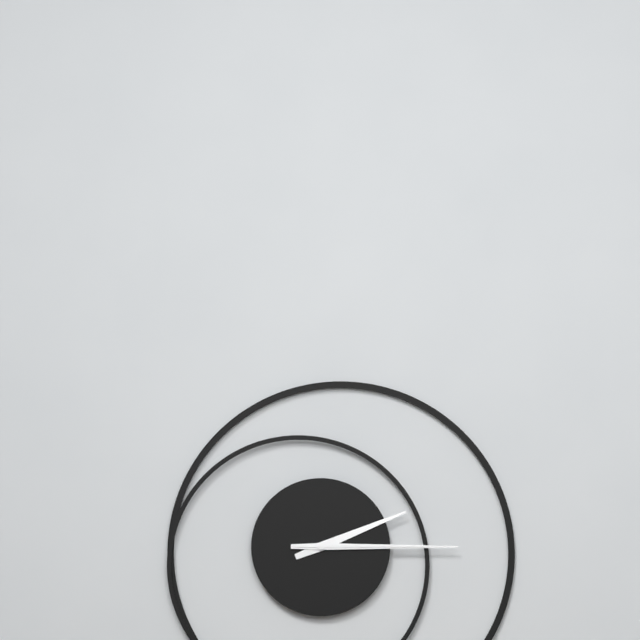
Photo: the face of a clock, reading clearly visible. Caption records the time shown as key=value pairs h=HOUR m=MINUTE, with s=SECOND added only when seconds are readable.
h=2 m=15 s=15
